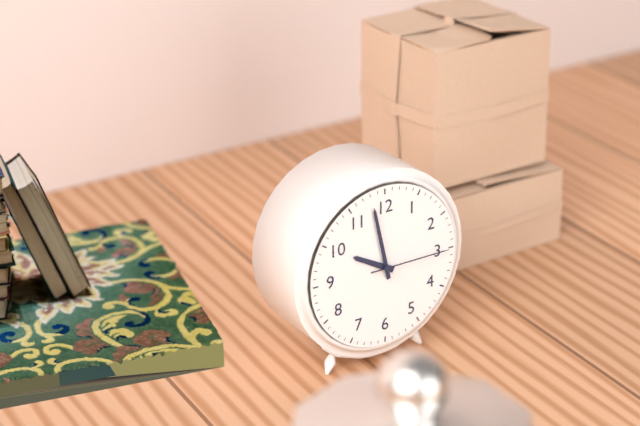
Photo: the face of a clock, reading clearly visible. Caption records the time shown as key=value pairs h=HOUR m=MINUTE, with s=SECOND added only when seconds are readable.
h=9 m=58 s=15
